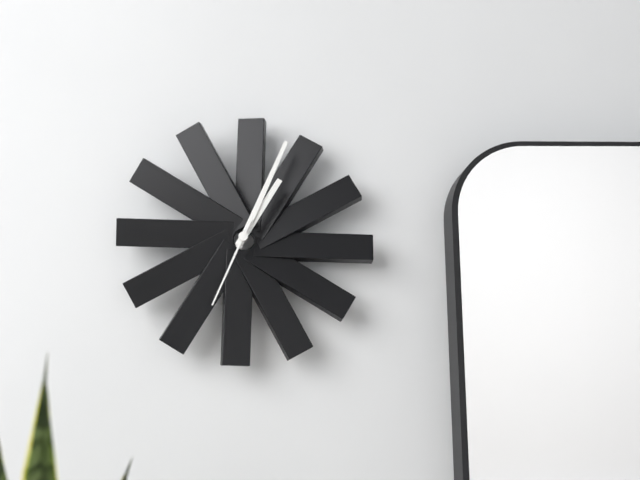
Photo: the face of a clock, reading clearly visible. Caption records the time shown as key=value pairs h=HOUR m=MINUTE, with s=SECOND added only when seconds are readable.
h=1 m=4 s=34
